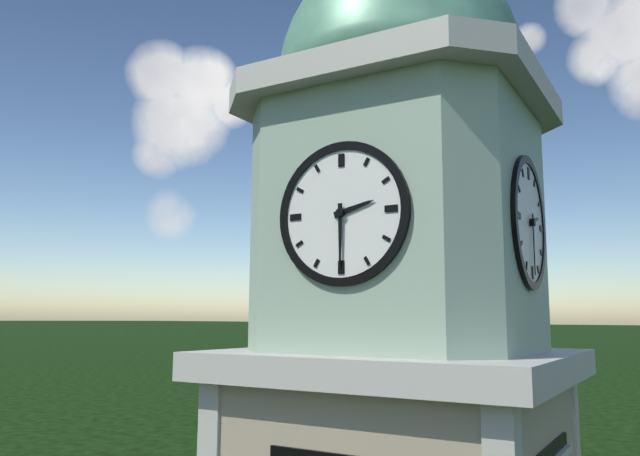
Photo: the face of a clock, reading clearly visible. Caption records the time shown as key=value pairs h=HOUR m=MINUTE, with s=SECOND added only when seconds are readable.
h=2 m=30
